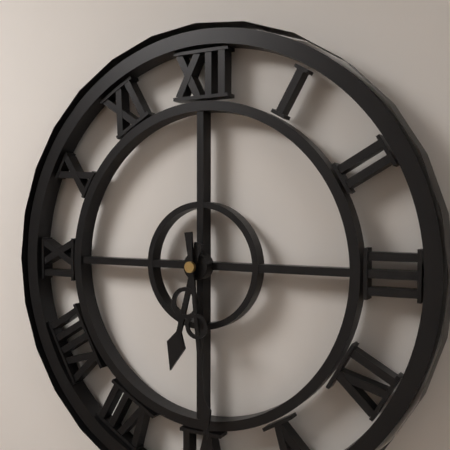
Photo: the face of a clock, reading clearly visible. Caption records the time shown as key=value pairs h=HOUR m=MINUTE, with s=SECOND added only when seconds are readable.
h=6 m=29
